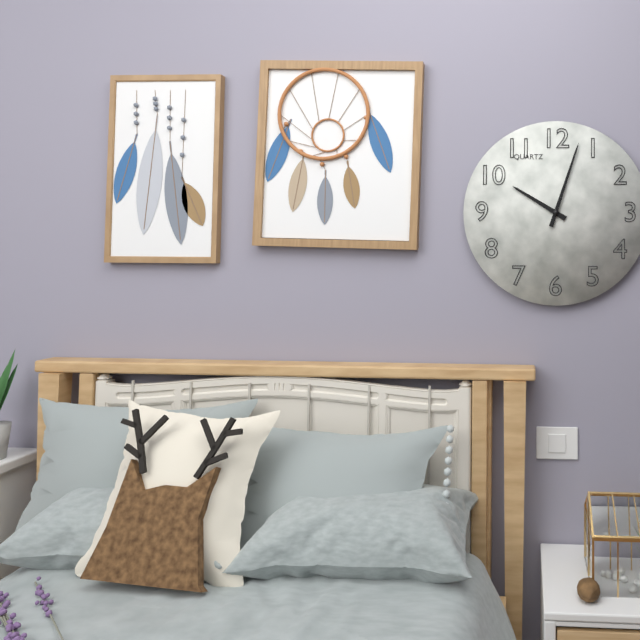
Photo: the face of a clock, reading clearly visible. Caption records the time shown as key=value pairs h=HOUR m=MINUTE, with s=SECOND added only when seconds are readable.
h=10 m=3
